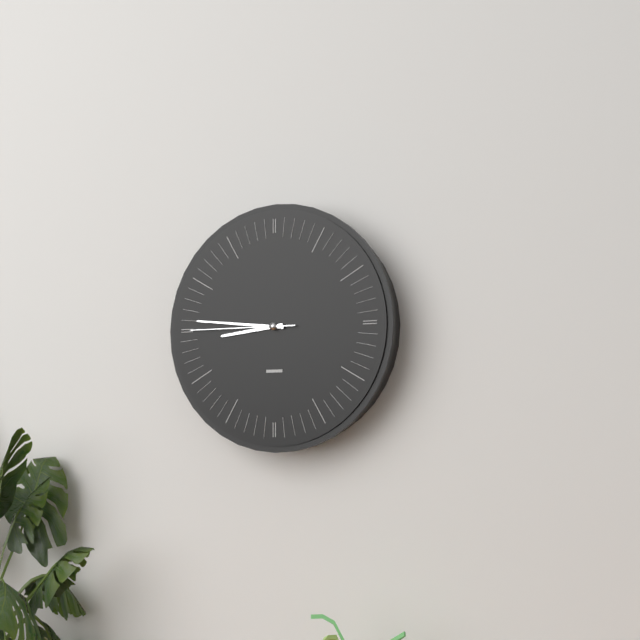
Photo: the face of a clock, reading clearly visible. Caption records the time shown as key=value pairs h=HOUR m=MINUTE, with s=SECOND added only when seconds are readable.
h=8 m=46 s=45
